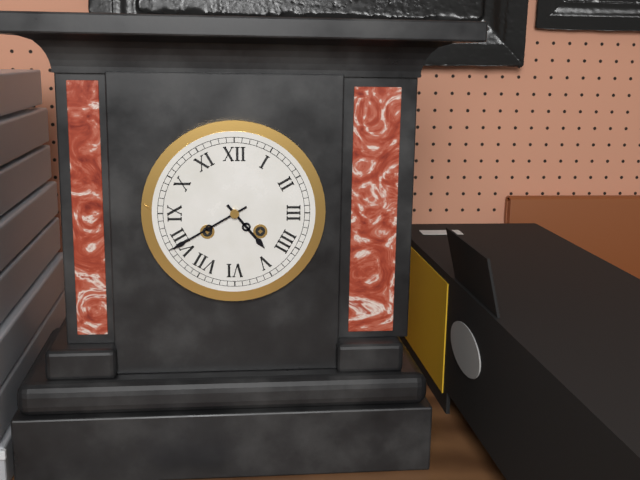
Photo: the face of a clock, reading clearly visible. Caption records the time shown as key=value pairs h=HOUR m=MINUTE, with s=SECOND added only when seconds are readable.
h=4 m=40
